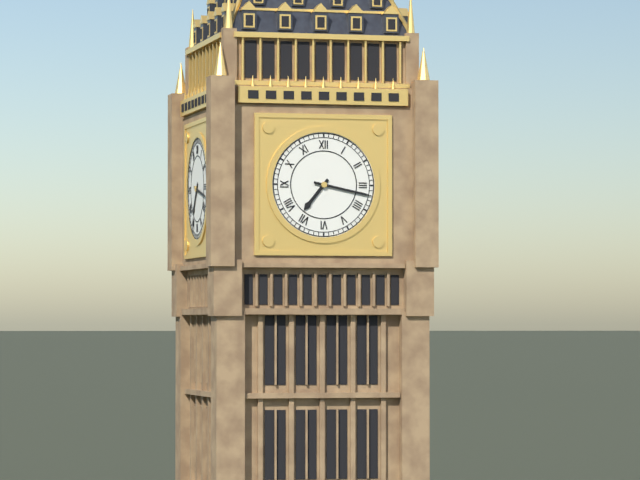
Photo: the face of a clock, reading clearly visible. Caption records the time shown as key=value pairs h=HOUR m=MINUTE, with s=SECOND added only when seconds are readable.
h=7 m=17
